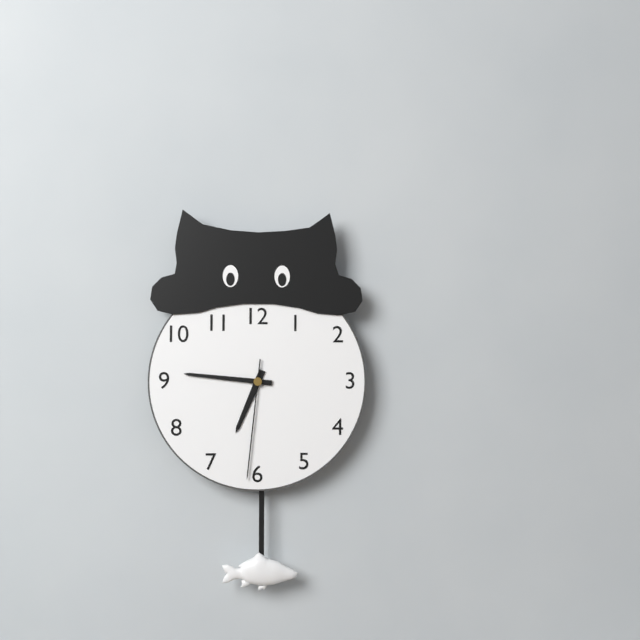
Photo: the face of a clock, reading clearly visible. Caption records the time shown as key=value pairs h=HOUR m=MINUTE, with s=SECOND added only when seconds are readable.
h=6 m=46 s=31
